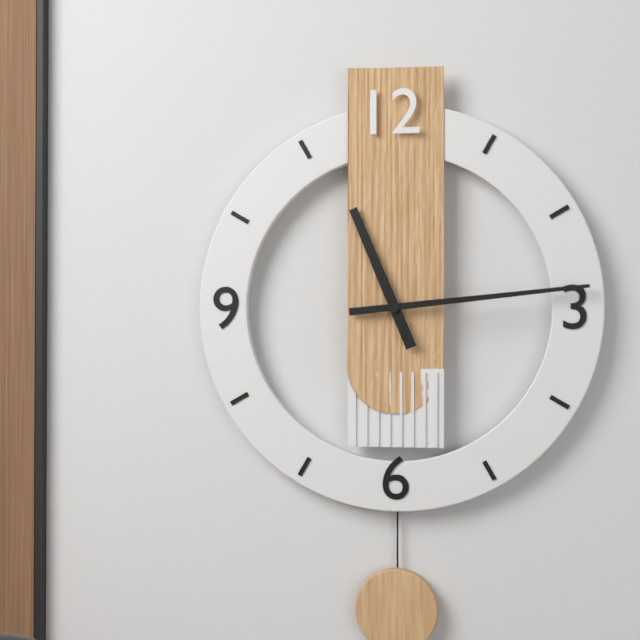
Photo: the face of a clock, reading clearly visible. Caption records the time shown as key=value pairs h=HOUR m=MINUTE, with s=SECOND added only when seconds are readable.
h=11 m=14
